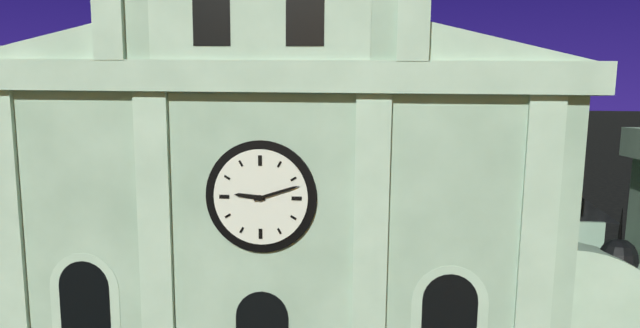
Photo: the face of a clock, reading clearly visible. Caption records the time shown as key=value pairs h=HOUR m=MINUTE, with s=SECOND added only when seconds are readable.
h=9 m=12
